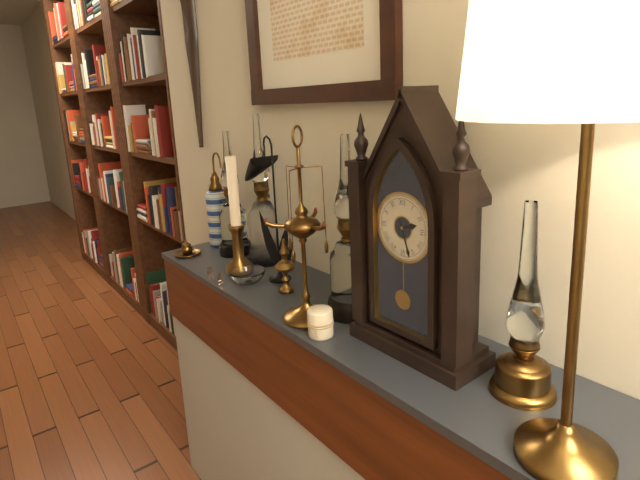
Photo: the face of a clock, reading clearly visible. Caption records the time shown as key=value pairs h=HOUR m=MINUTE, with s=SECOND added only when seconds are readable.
h=2 m=27
